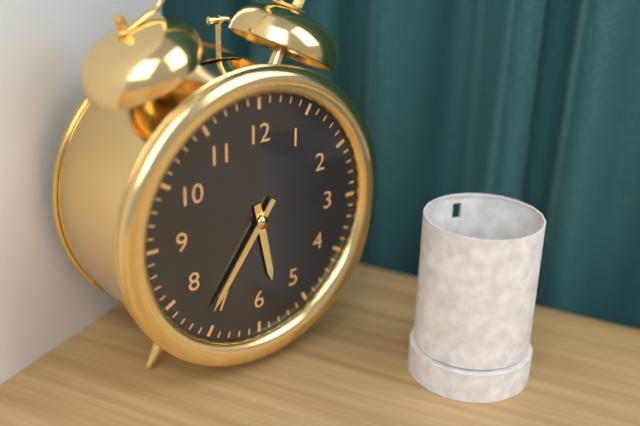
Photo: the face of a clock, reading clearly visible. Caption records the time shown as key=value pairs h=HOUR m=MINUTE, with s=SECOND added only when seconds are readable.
h=5 m=36
